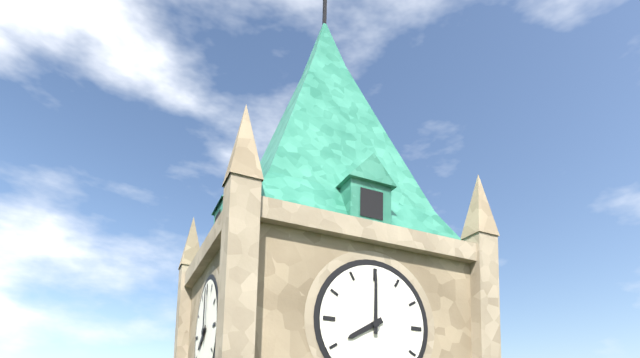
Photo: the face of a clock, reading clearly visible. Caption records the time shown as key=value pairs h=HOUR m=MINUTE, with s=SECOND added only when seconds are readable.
h=8 m=0
